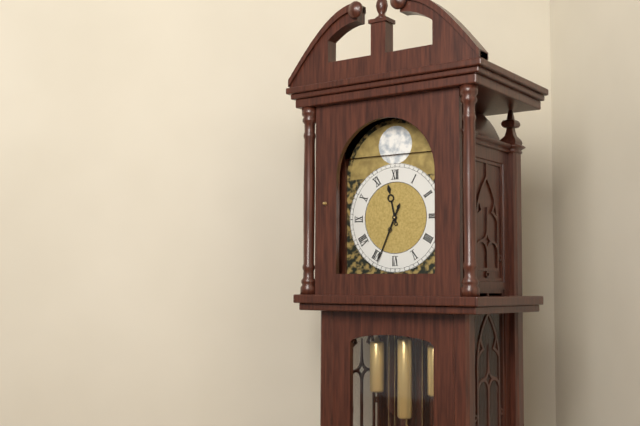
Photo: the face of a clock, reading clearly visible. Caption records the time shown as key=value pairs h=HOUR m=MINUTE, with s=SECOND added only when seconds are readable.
h=11 m=34
